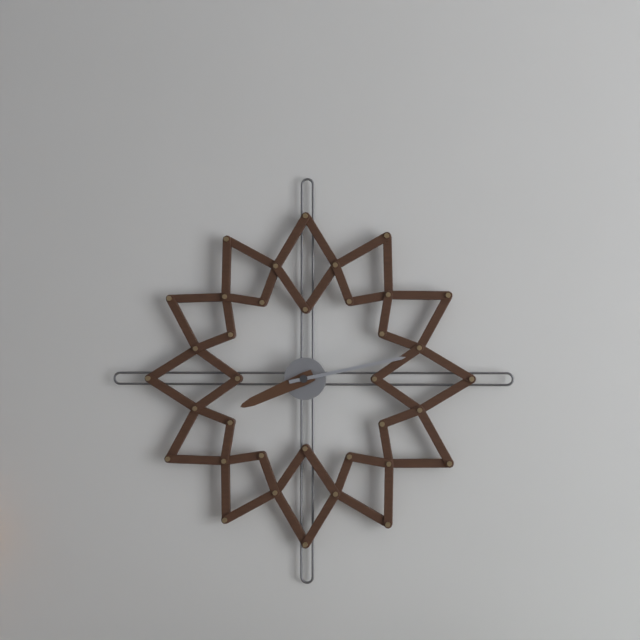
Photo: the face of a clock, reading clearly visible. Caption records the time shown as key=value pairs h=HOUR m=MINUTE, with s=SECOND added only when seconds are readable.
h=8 m=13
